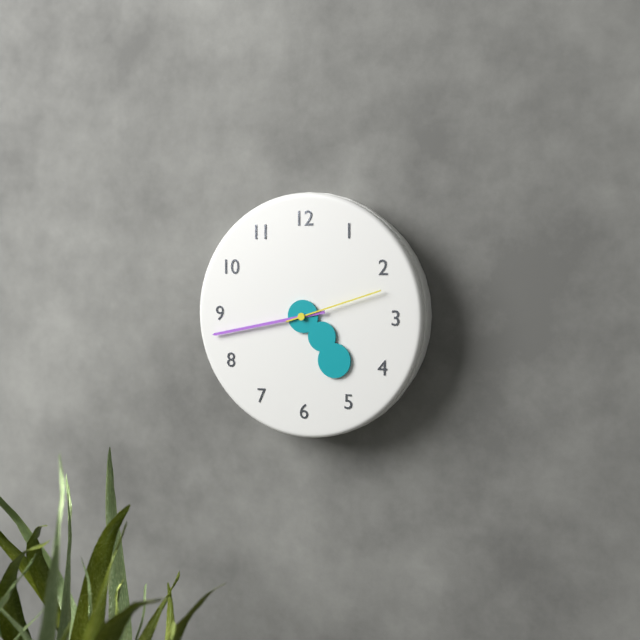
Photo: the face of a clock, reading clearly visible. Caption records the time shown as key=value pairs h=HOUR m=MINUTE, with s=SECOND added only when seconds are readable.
h=4 m=43 s=12
